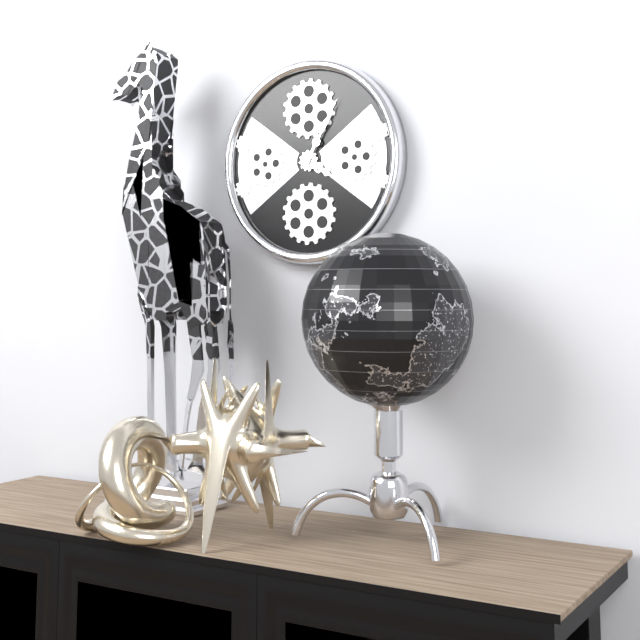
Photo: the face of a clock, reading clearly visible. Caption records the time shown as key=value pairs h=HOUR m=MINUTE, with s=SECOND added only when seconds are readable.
h=4 m=5
